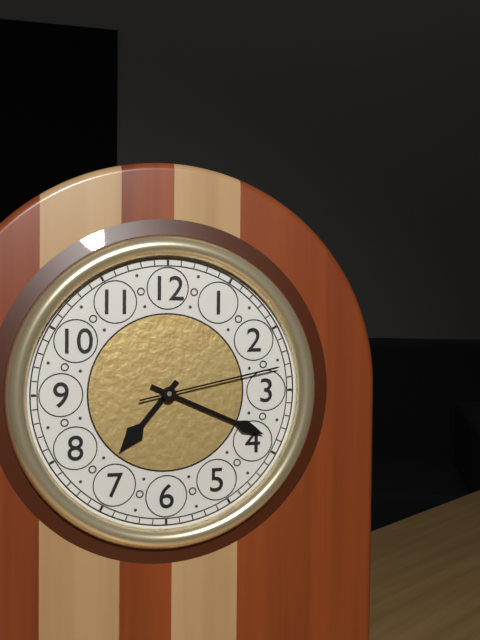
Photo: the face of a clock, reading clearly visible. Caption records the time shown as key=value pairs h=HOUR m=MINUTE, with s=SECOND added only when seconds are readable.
h=7 m=19 s=13
